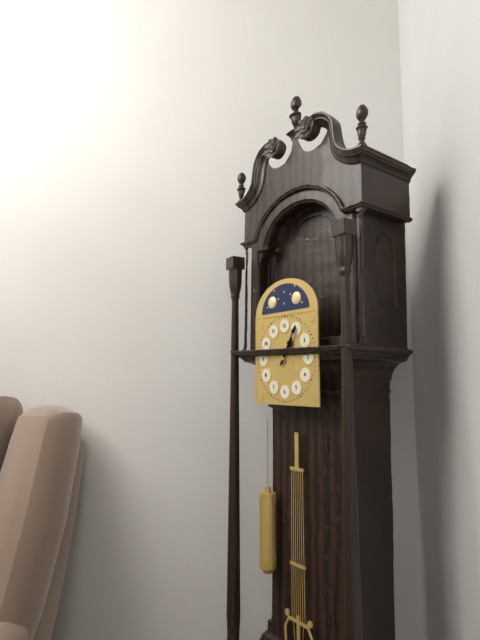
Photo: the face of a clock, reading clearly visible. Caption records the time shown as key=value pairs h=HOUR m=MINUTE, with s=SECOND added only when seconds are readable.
h=1 m=5
